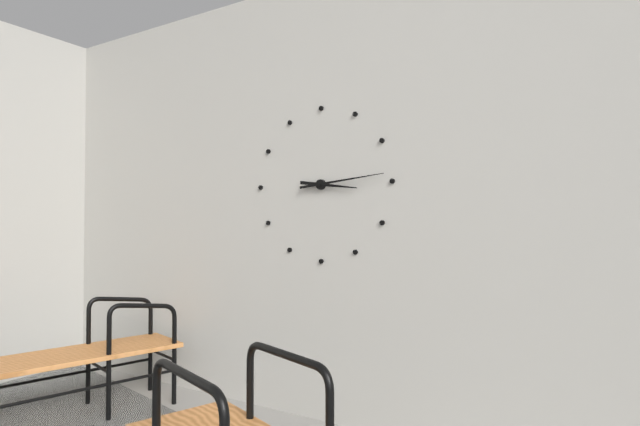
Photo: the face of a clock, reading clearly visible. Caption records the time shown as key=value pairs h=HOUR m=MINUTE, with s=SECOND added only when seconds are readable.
h=3 m=14
